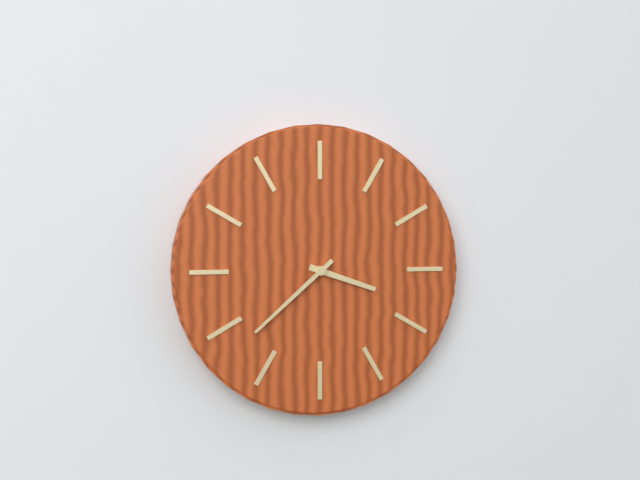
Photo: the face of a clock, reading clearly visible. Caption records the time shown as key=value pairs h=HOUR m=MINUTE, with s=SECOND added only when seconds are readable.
h=3 m=38
